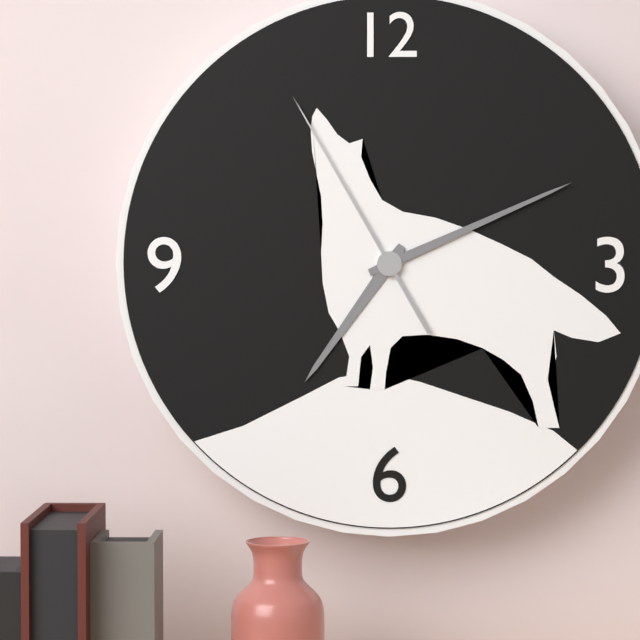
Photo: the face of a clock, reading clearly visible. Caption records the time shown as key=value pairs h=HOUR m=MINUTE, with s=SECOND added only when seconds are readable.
h=7 m=11 s=55
